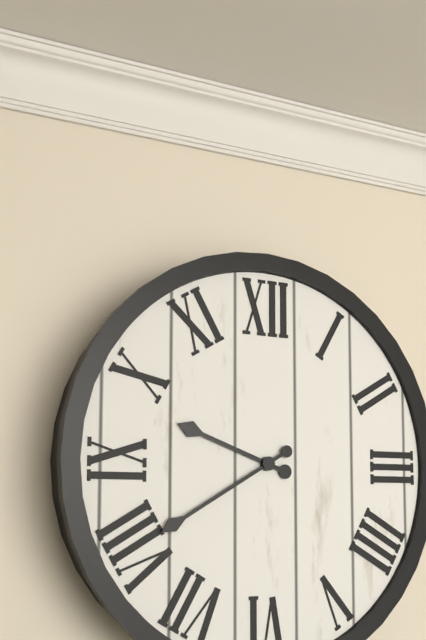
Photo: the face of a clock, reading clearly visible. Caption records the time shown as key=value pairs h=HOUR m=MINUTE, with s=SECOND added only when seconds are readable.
h=9 m=40
